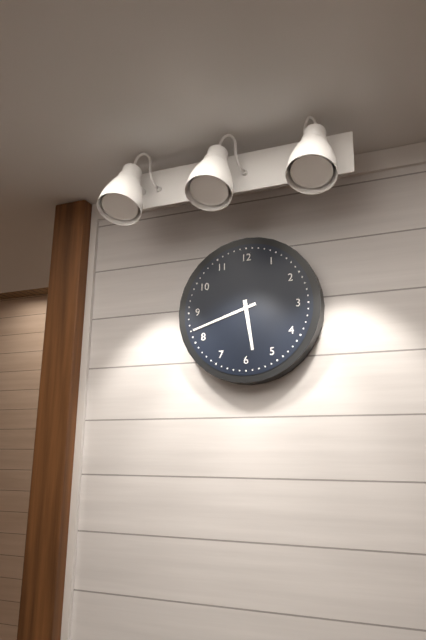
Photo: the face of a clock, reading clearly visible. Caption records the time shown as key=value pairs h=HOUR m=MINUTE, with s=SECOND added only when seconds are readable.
h=5 m=42
